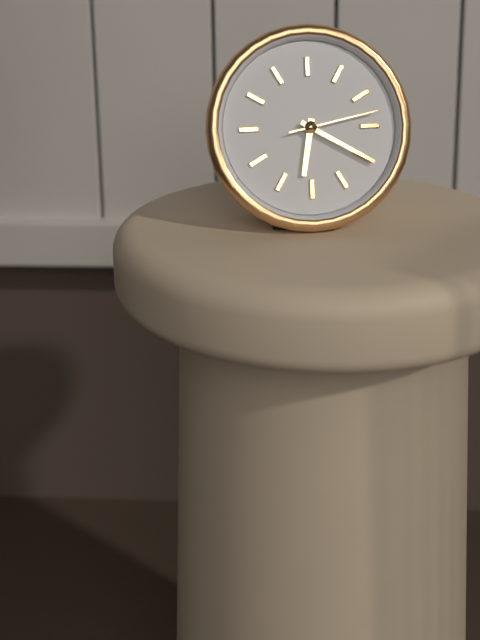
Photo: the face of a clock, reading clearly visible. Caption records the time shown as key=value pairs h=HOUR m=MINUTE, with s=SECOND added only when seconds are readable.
h=6 m=20 s=13
